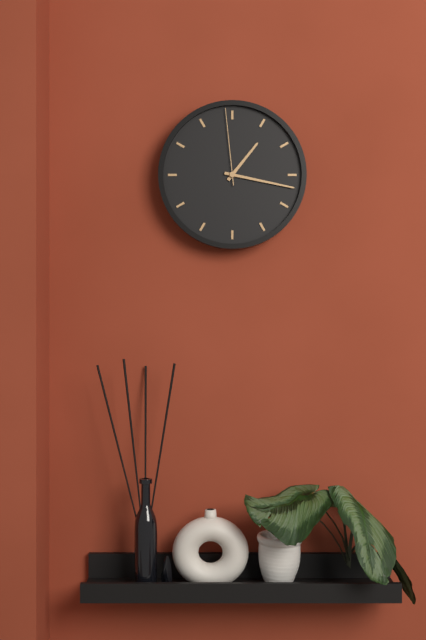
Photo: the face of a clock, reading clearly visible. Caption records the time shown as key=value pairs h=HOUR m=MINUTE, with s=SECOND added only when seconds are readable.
h=1 m=17 s=59
